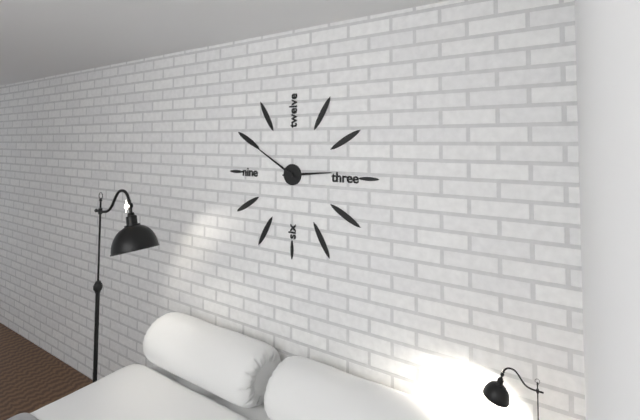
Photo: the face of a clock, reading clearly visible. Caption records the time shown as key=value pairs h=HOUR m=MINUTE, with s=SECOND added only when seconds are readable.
h=2 m=50
